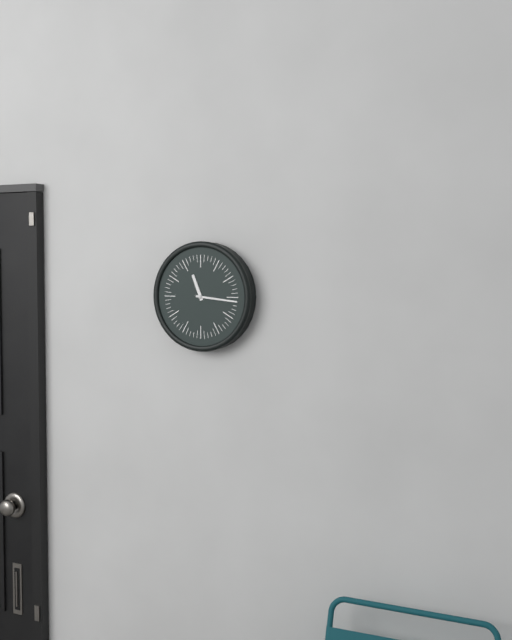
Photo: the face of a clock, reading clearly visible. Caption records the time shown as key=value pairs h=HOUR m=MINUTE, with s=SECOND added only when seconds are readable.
h=11 m=16
